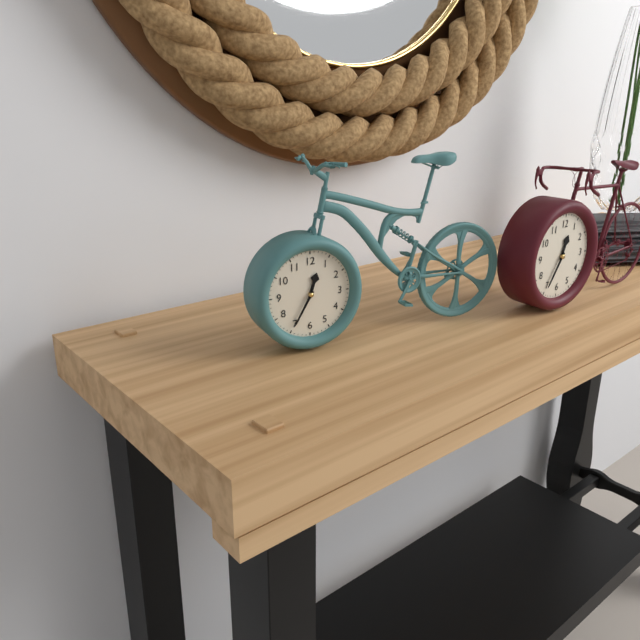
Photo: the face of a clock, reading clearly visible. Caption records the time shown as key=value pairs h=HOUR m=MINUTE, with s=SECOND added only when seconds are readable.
h=12 m=35
